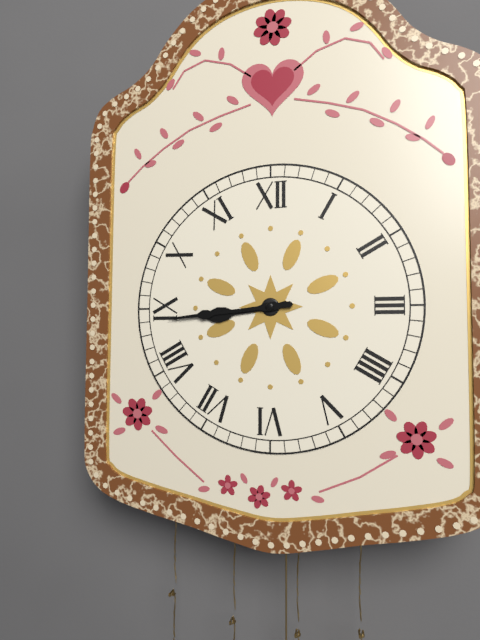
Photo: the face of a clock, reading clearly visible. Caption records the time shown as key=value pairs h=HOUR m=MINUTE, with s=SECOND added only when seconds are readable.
h=8 m=44
